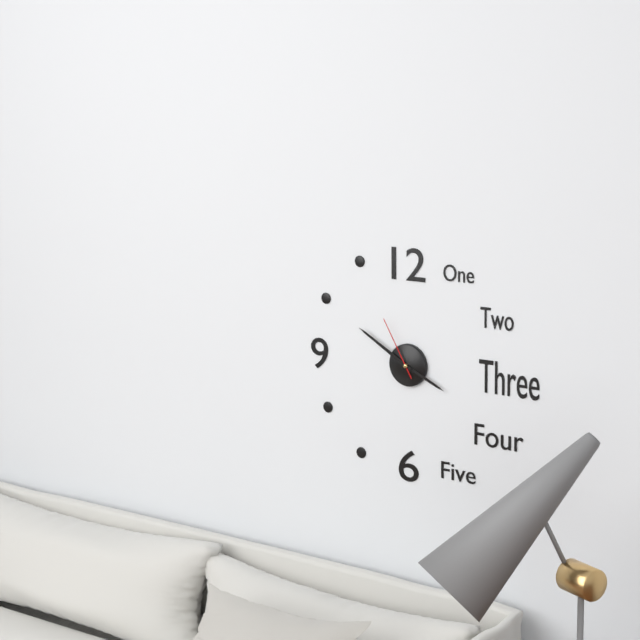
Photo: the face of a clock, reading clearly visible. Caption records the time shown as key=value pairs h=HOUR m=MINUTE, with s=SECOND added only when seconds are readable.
h=3 m=50 s=55
